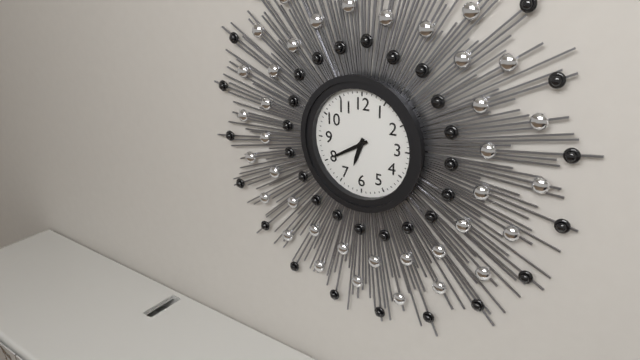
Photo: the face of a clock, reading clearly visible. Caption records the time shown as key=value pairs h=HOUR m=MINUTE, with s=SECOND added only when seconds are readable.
h=6 m=40
